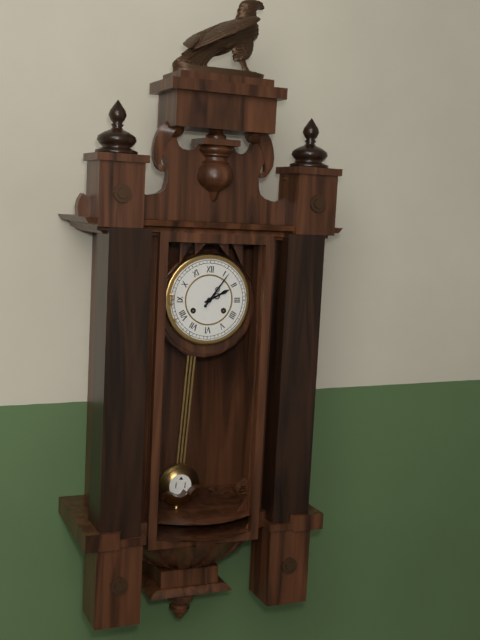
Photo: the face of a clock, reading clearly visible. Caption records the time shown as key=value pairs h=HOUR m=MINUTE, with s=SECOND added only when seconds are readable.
h=2 m=6
